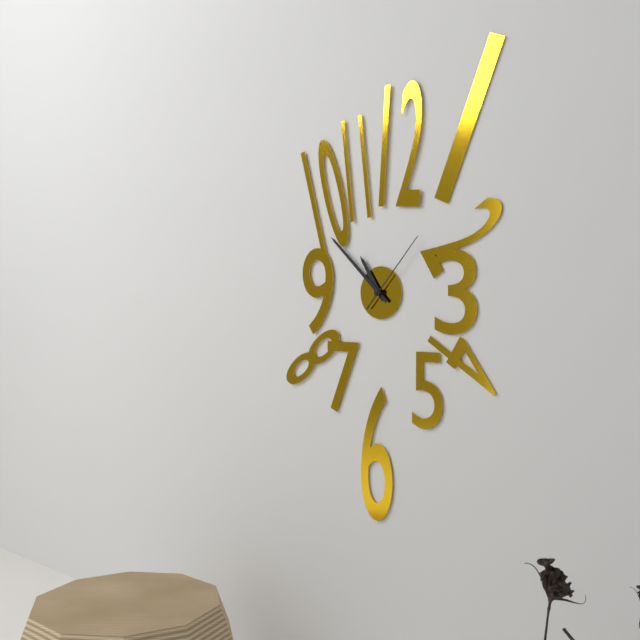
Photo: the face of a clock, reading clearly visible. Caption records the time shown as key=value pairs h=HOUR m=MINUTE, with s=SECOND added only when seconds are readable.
h=10 m=52 s=7
